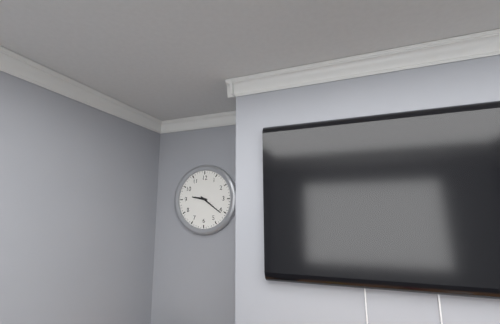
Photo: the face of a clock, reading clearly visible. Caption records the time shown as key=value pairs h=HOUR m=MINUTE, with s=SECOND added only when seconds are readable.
h=9 m=21
